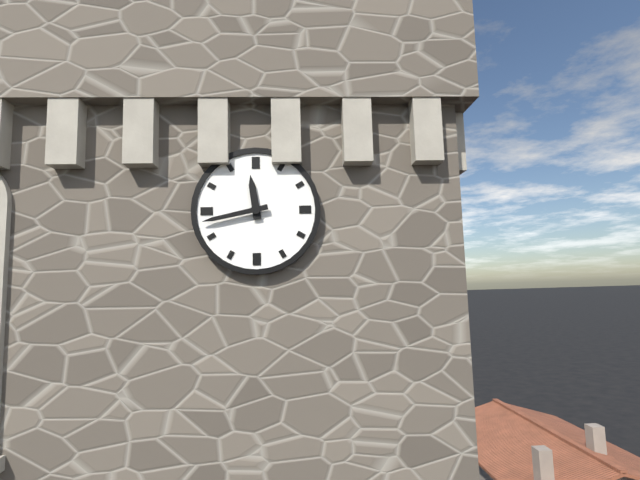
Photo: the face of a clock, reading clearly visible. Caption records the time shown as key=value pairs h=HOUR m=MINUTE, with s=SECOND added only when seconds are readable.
h=11 m=43
